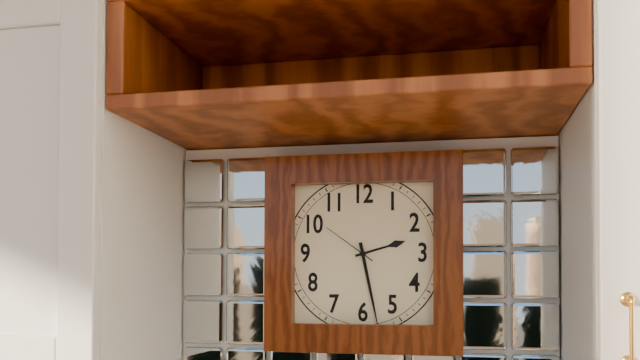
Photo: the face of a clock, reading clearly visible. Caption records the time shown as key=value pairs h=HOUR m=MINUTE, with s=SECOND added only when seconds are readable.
h=2 m=28 s=51
